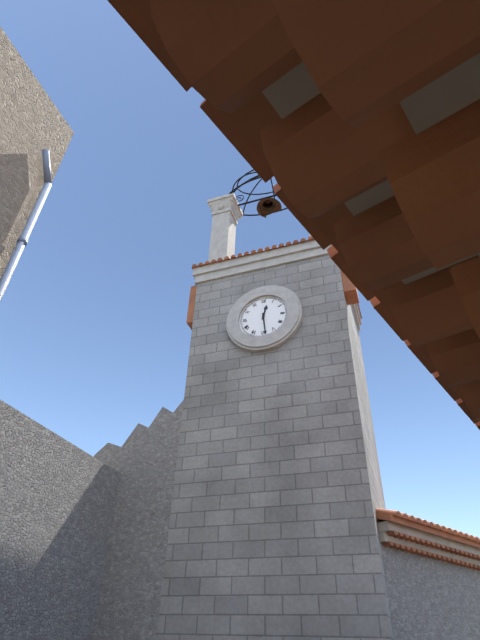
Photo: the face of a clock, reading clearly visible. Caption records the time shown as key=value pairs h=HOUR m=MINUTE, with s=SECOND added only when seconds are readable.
h=12 m=29
